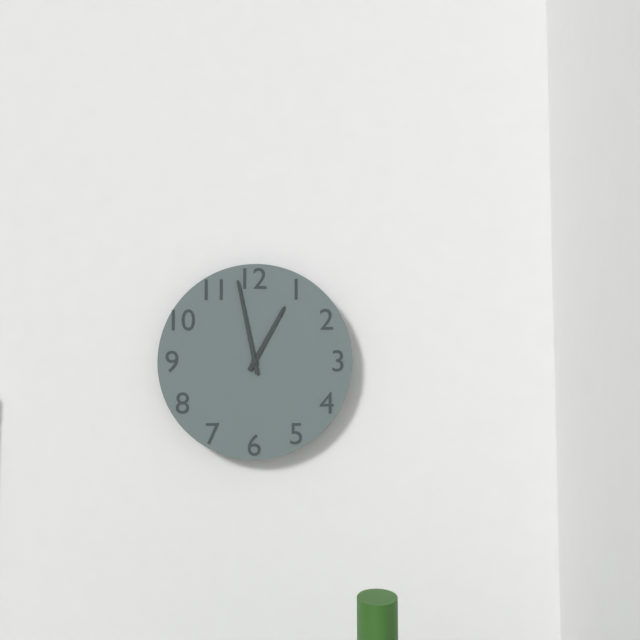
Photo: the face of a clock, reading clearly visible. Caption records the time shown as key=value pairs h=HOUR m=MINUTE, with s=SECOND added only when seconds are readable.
h=12 m=58
